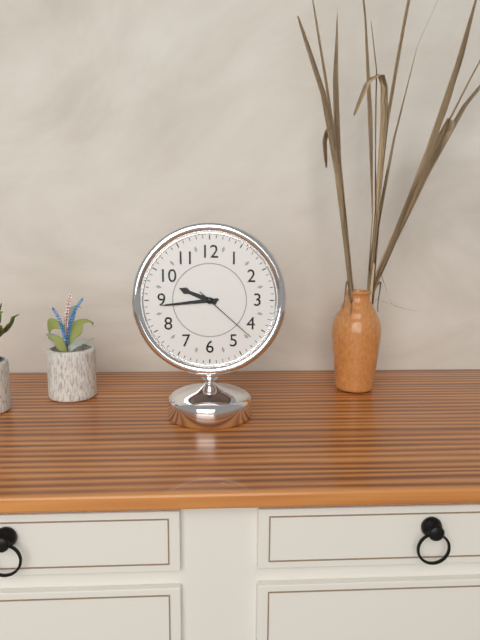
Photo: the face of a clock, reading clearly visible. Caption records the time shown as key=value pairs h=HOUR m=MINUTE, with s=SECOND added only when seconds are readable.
h=9 m=44 s=22
